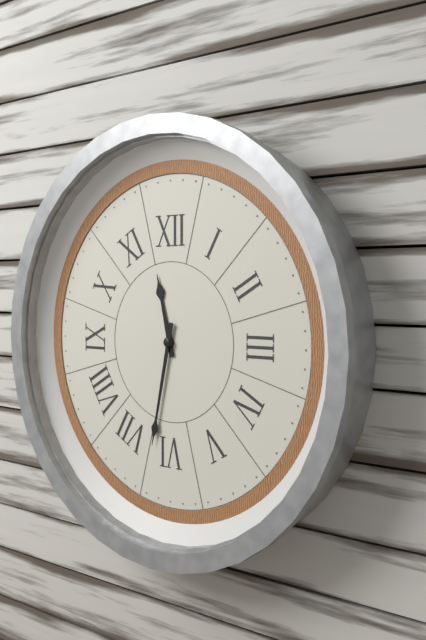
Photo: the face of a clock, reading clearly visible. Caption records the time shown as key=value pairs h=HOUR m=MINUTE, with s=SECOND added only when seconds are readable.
h=11 m=32
